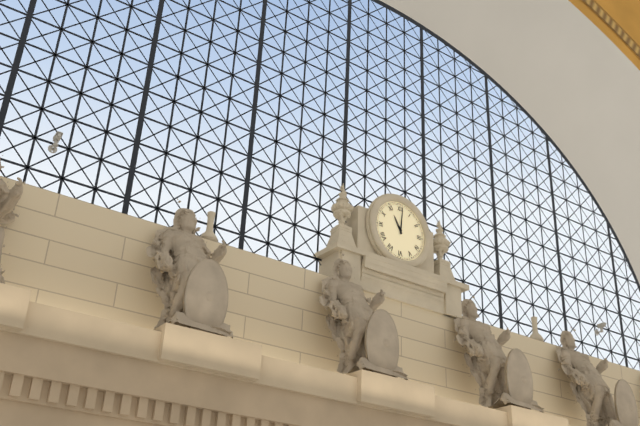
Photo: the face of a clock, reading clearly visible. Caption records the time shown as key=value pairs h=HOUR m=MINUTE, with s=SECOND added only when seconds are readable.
h=11 m=1
